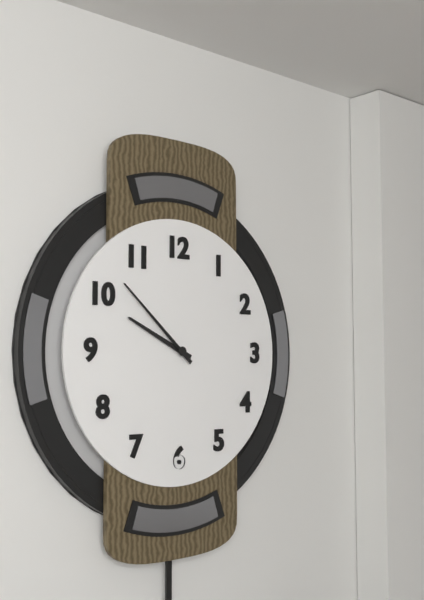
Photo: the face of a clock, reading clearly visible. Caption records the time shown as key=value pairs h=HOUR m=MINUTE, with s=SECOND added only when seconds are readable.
h=9 m=52
